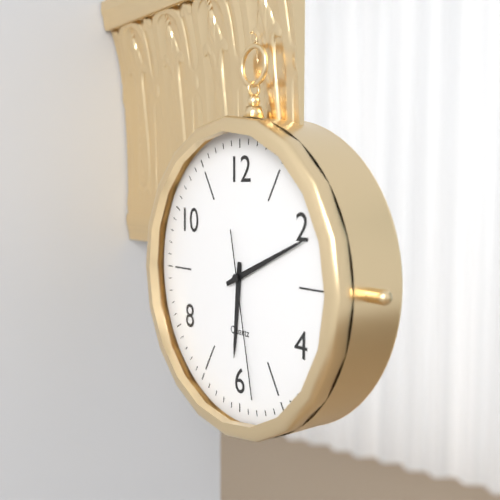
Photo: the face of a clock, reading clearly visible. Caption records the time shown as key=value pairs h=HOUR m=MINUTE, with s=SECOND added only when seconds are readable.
h=6 m=11 s=28
